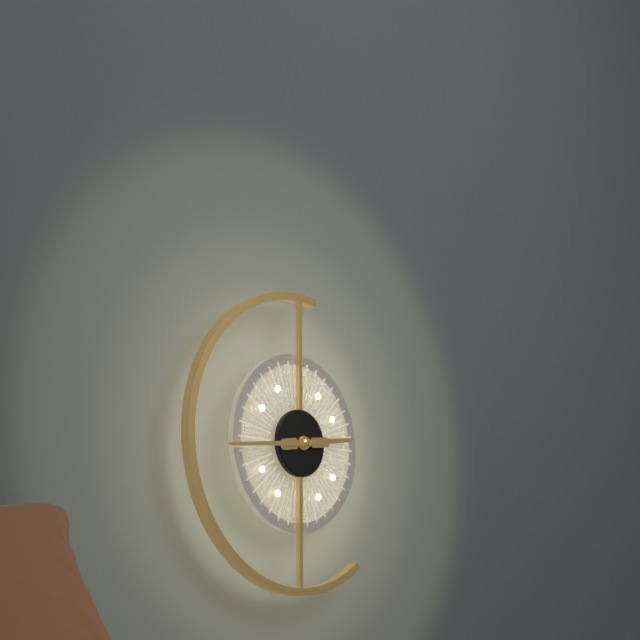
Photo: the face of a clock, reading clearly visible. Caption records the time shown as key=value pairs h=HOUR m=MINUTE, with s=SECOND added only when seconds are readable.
h=2 m=44
